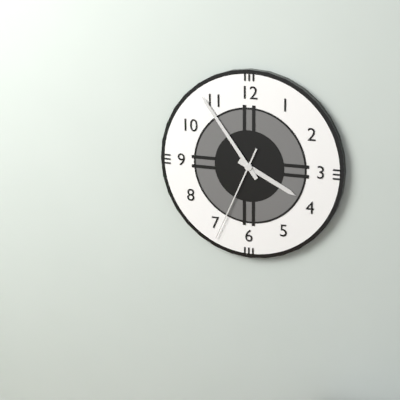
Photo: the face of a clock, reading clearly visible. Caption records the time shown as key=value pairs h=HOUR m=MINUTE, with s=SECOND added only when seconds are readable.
h=3 m=54 s=34
